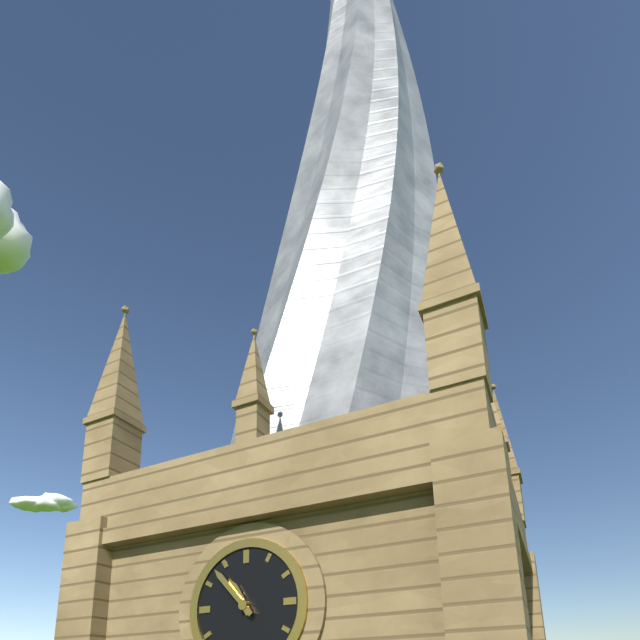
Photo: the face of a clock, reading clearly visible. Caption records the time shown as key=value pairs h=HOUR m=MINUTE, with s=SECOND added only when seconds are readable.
h=10 m=53
